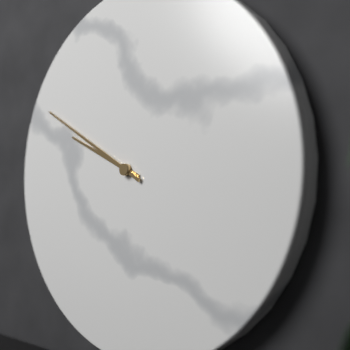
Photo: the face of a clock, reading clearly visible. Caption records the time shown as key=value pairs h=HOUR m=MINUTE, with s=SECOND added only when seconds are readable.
h=9 m=50
